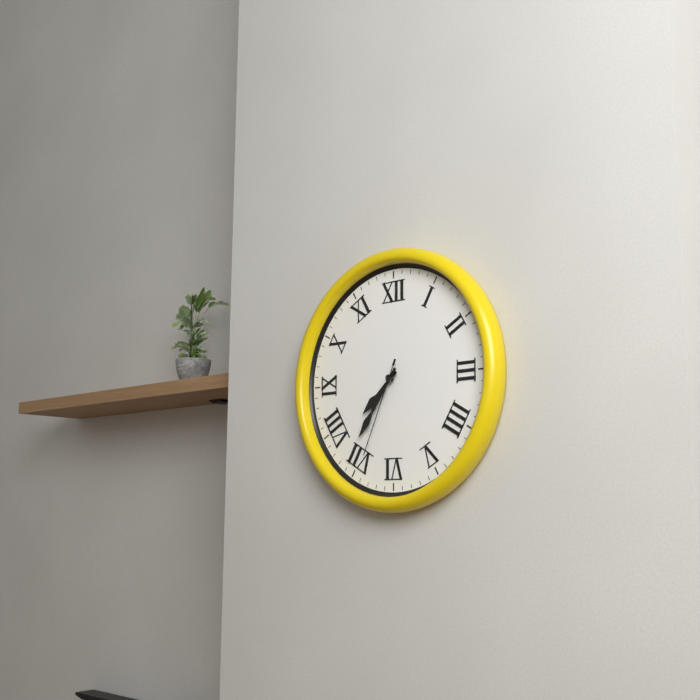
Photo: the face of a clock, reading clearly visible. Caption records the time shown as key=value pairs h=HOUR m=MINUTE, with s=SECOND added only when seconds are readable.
h=7 m=36 s=34
